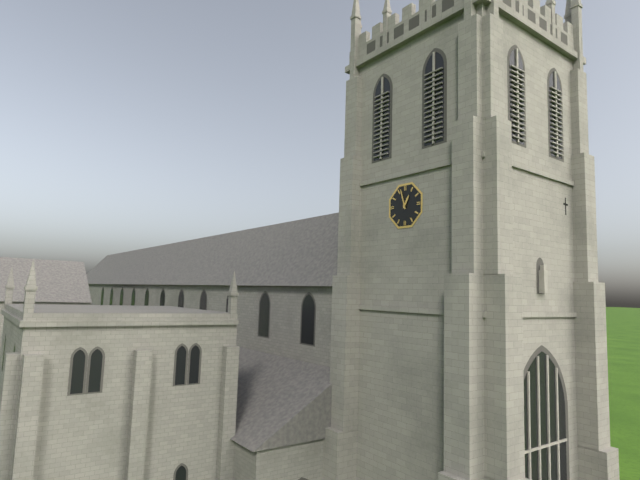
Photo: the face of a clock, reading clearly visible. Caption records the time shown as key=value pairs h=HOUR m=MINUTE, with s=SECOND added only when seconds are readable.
h=12 m=57
